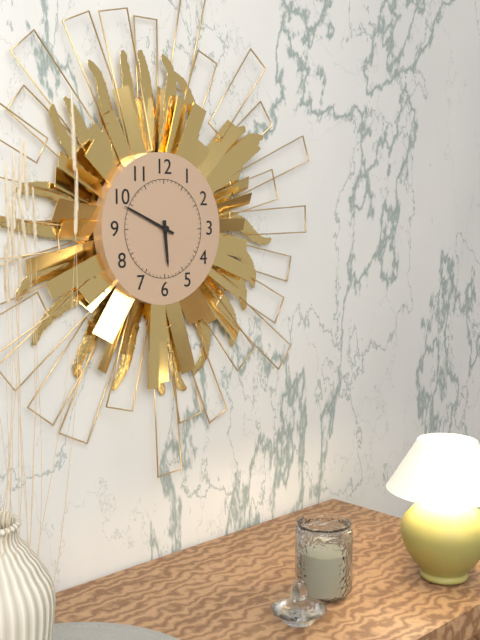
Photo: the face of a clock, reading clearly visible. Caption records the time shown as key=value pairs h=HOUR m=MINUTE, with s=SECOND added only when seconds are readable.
h=5 m=49
